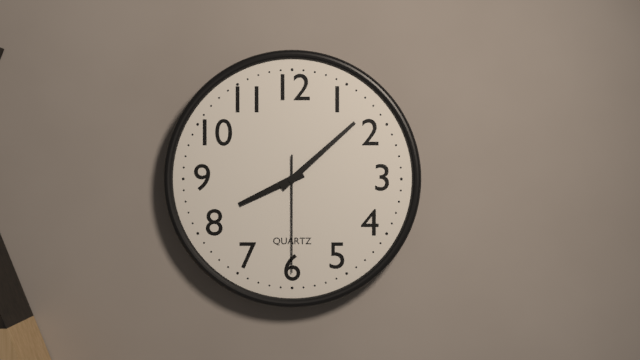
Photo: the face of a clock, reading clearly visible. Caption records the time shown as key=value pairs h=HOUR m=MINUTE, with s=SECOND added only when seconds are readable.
h=8 m=8 s=30
